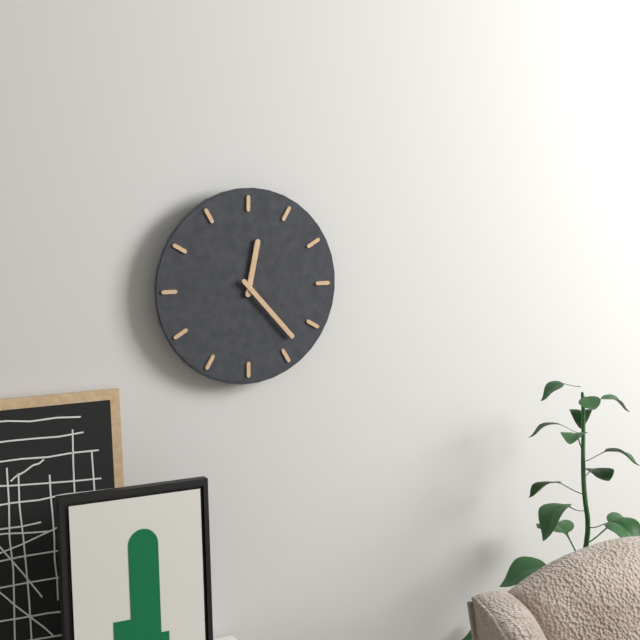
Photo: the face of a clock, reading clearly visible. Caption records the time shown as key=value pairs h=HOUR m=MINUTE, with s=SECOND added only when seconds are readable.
h=12 m=23
